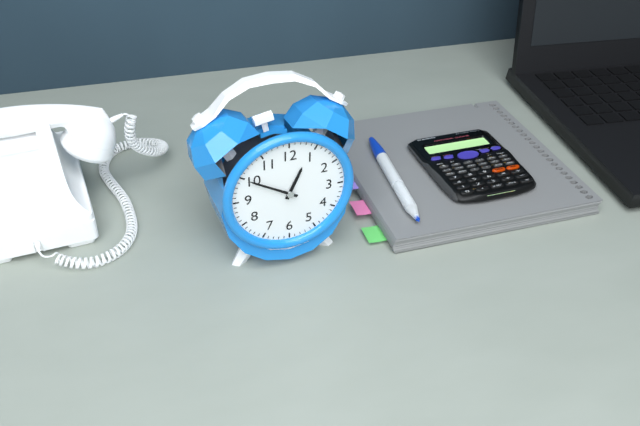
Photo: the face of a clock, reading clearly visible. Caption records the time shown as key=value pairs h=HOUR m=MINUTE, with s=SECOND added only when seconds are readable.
h=12 m=50
